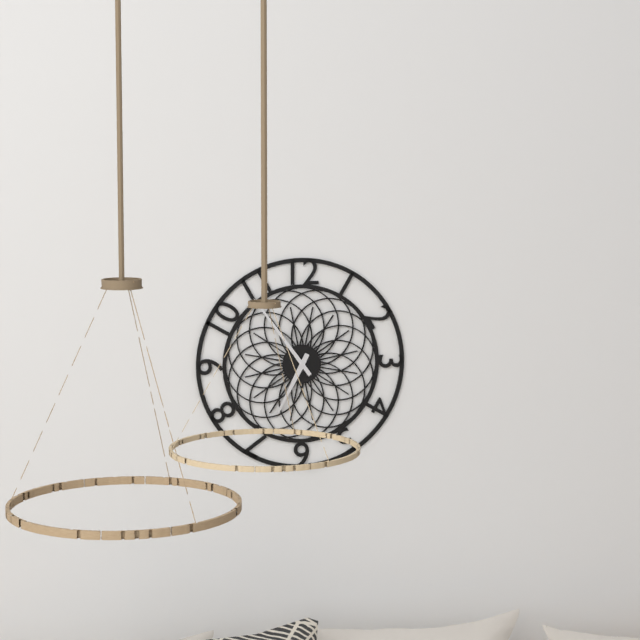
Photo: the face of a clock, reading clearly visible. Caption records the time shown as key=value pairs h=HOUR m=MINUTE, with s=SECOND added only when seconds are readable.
h=6 m=54
